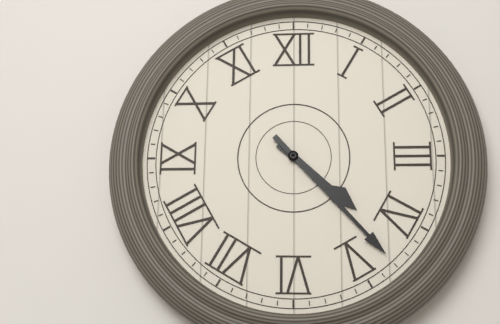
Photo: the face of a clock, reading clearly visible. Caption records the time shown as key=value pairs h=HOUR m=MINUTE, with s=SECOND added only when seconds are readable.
h=4 m=23
